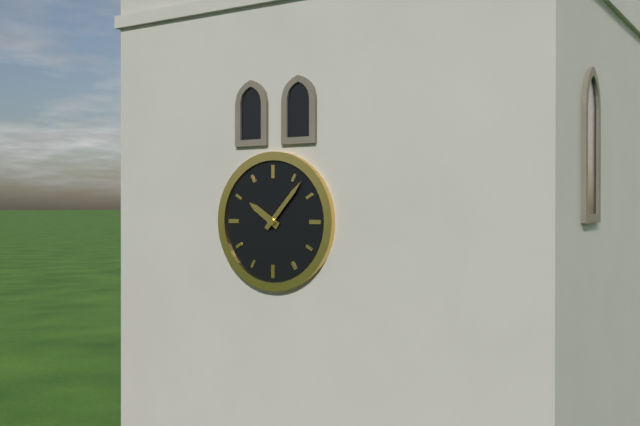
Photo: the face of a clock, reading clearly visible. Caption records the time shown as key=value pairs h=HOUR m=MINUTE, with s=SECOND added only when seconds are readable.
h=10 m=7
